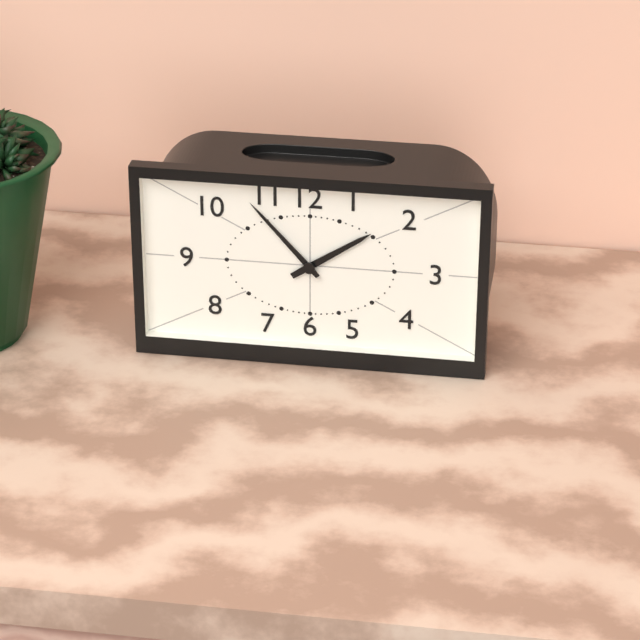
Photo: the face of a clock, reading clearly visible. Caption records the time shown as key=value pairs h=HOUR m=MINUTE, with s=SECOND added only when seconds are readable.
h=1 m=53
